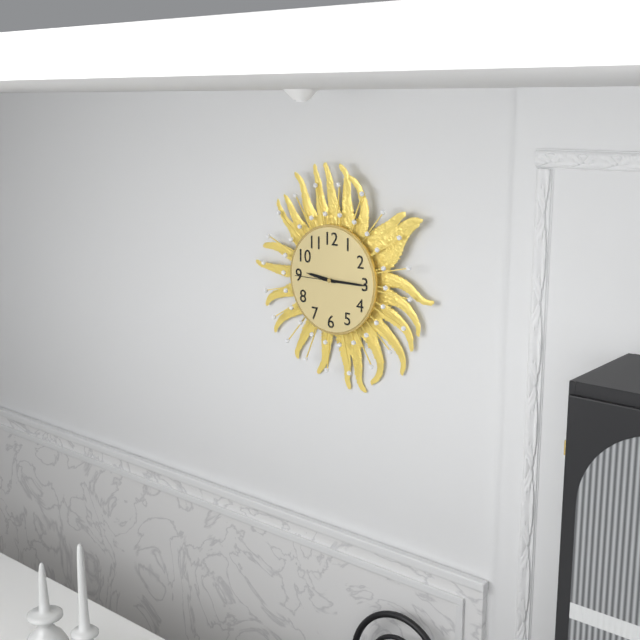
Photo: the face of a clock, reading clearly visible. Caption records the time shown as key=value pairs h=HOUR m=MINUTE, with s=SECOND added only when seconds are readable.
h=9 m=15
